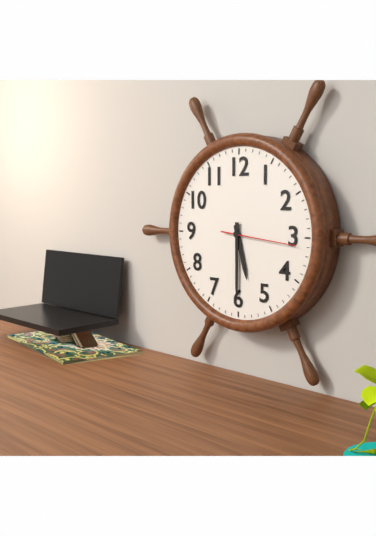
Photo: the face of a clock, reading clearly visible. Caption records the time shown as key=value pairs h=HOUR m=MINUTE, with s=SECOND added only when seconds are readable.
h=5 m=30 s=16
